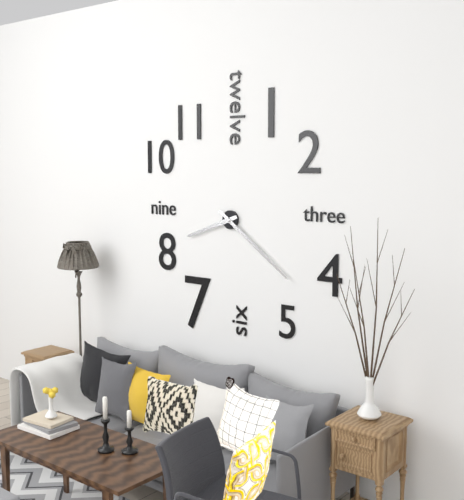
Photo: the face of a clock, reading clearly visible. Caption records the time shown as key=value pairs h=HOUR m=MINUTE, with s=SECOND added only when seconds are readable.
h=8 m=21
